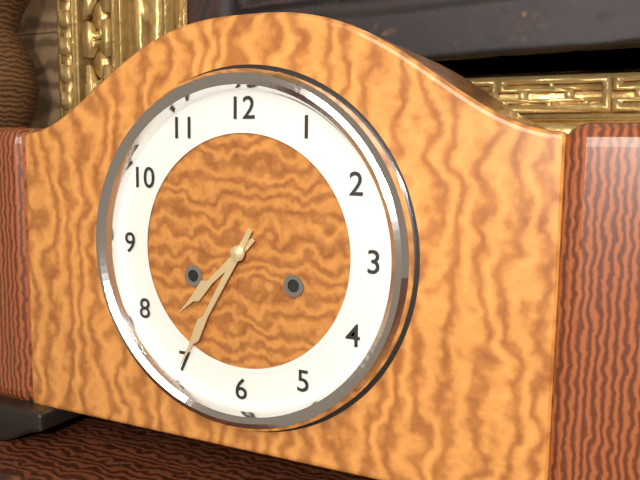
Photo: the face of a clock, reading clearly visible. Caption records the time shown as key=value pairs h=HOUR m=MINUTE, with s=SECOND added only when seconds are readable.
h=7 m=35
